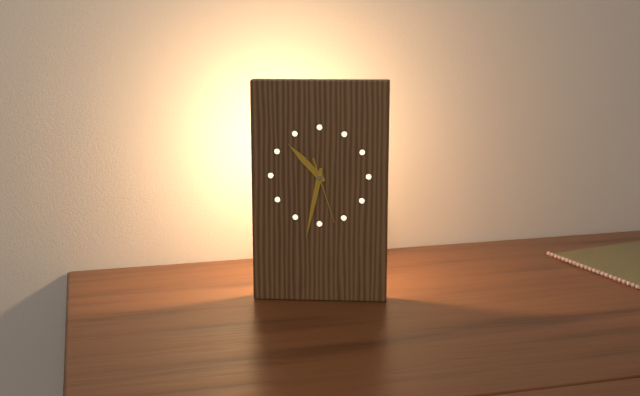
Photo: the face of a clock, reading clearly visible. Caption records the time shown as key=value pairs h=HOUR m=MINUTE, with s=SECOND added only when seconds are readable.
h=10 m=32 s=27
